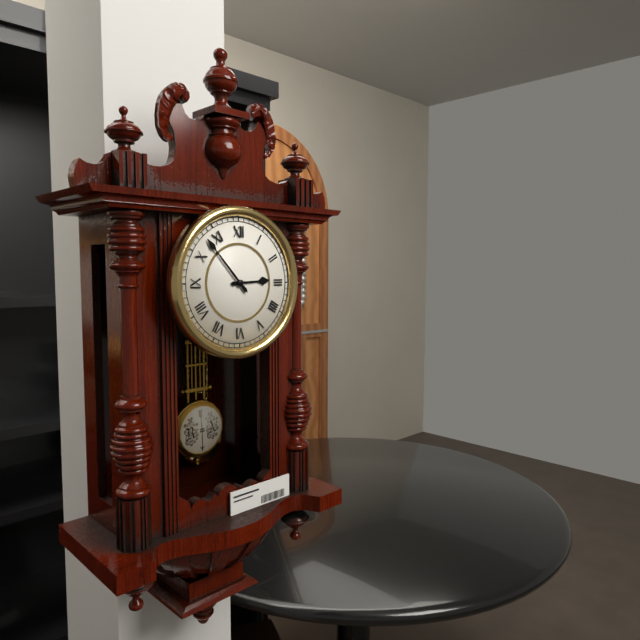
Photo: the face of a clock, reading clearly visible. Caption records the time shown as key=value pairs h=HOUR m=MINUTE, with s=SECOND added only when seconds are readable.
h=2 m=53
